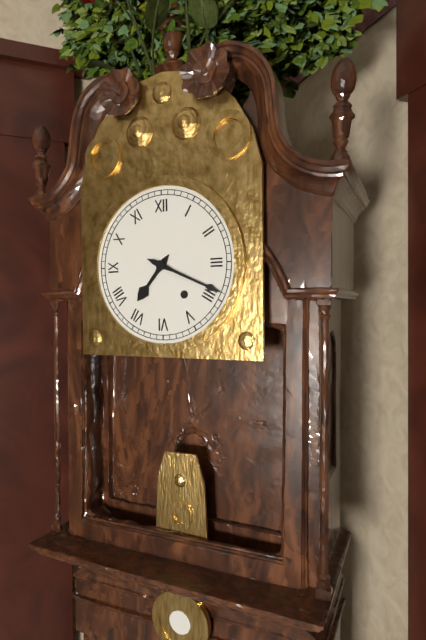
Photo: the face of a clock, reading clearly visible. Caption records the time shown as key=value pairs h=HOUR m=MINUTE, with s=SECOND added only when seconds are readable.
h=7 m=19
